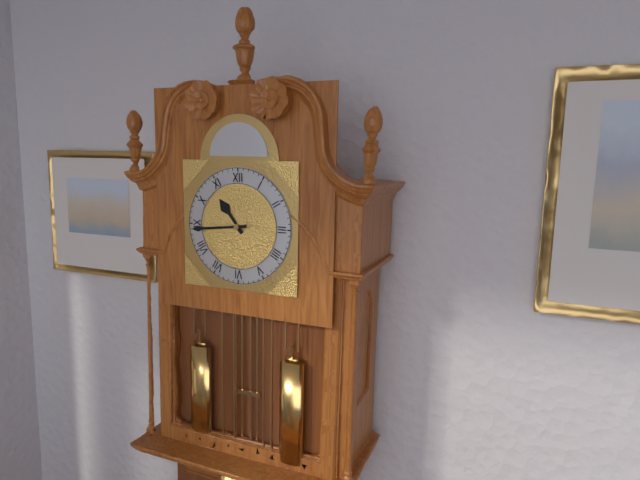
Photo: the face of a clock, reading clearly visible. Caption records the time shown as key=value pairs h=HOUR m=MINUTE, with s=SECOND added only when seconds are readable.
h=10 m=44
